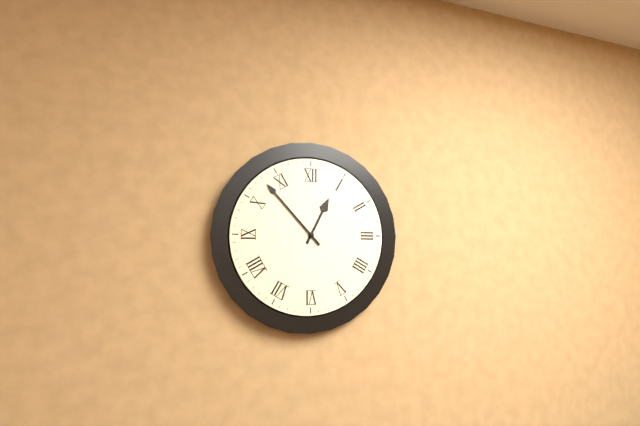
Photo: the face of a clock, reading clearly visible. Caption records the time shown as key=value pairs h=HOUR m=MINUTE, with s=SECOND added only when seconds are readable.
h=12 m=53
